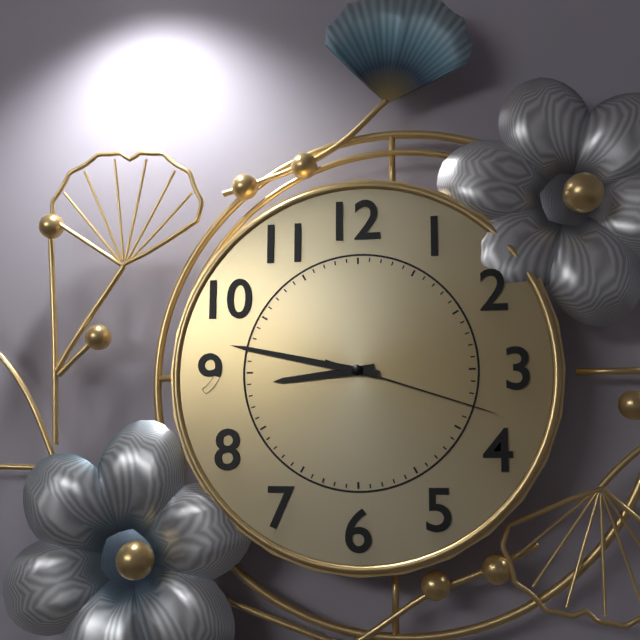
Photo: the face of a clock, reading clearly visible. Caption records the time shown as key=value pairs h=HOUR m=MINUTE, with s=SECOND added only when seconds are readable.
h=8 m=47 s=18
